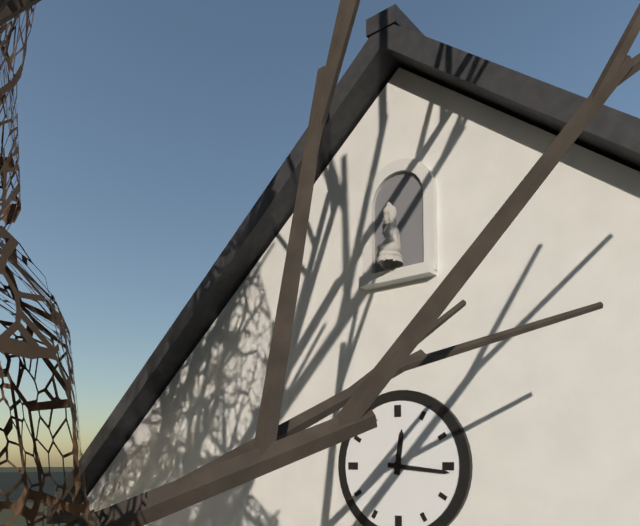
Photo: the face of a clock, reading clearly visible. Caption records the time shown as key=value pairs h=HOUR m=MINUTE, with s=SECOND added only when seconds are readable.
h=12 m=16
